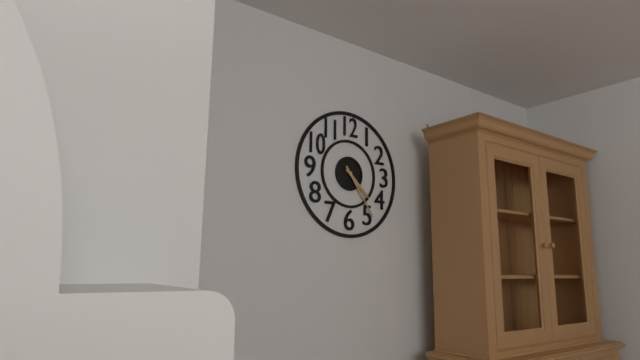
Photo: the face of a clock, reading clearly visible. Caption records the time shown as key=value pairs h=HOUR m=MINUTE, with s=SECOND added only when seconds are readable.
h=4 m=24
